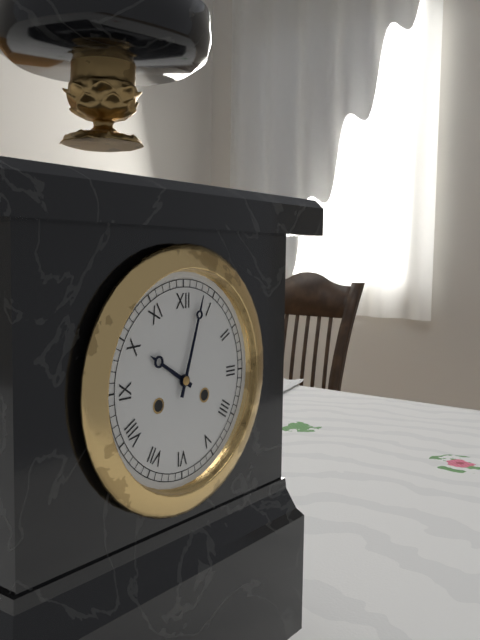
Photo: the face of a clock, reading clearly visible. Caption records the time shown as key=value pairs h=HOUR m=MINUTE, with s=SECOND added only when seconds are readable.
h=10 m=3
